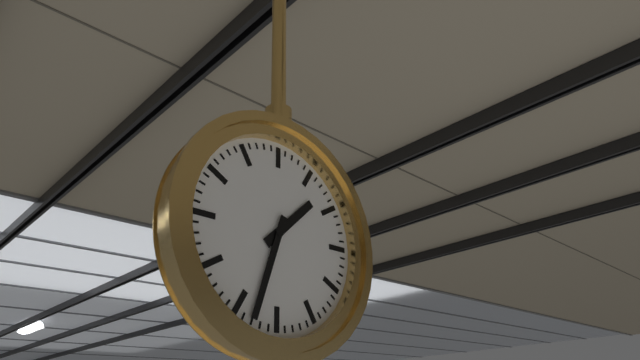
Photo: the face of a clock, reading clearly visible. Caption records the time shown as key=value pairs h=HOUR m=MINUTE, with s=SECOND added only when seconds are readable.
h=1 m=33
